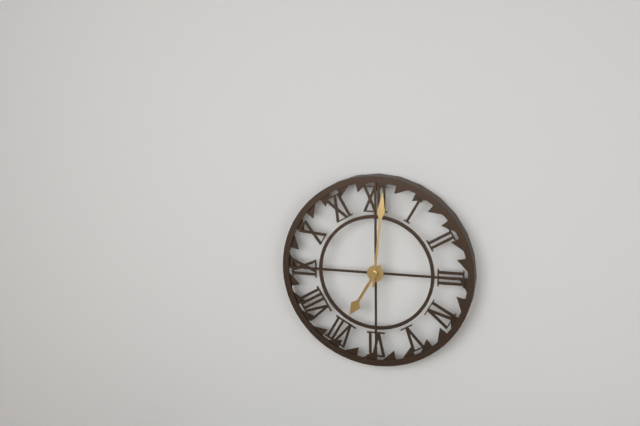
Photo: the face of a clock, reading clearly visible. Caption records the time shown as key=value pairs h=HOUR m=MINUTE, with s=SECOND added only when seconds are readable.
h=7 m=1
